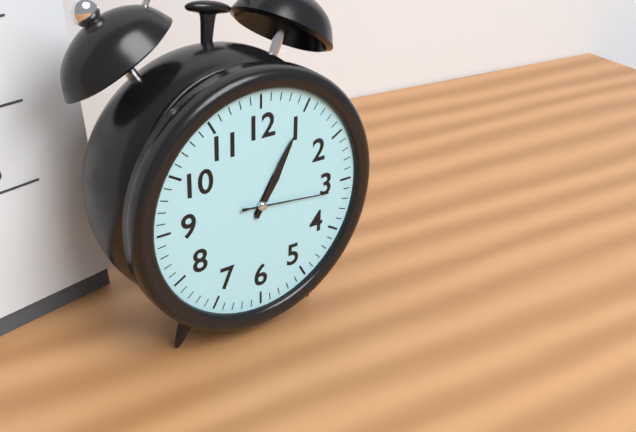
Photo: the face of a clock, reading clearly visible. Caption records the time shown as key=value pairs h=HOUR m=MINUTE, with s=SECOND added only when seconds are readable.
h=1 m=5 s=16
